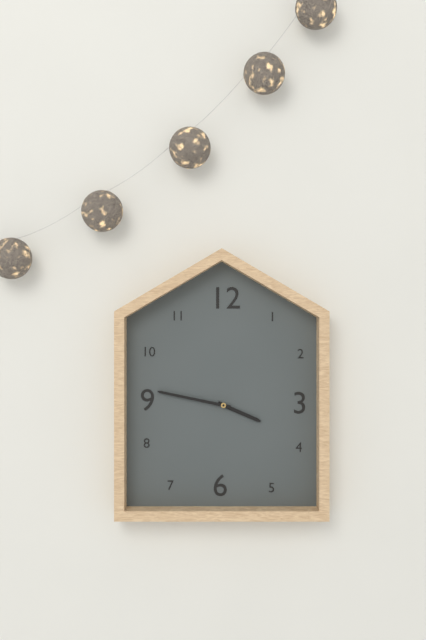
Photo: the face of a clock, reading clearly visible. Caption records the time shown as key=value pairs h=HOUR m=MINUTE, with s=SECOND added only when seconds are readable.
h=3 m=47
